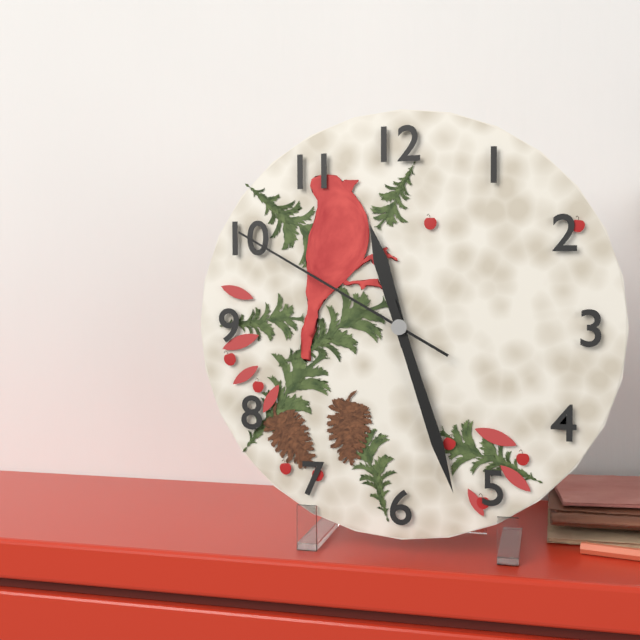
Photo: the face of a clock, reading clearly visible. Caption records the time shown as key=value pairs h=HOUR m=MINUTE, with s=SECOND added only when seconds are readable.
h=11 m=27 s=50
